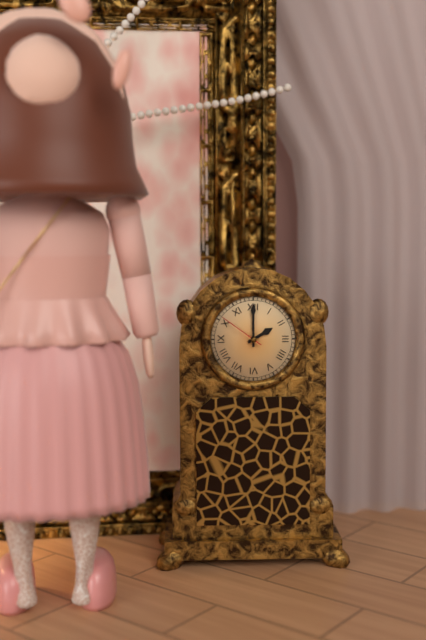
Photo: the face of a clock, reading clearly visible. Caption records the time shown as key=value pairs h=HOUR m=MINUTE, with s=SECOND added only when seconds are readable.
h=2 m=0
